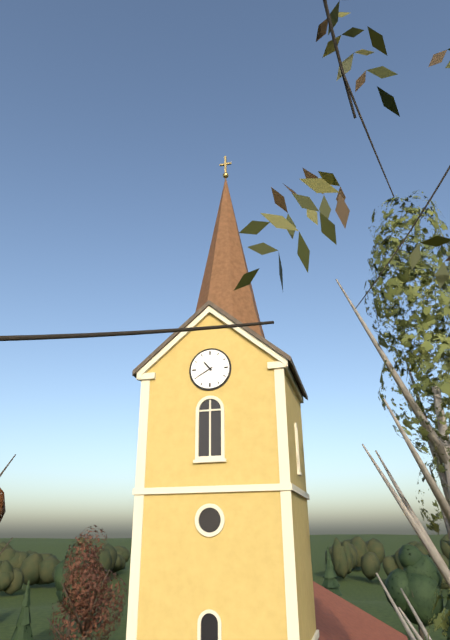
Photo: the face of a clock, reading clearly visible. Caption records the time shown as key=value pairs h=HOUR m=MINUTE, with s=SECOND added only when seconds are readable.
h=10 m=40
